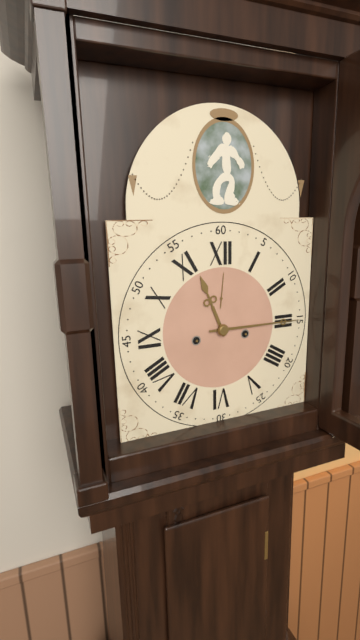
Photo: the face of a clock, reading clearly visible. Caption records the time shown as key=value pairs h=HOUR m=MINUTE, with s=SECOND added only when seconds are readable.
h=11 m=15
